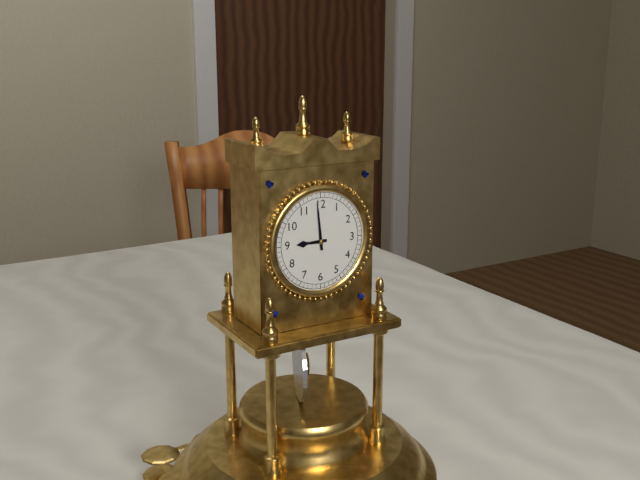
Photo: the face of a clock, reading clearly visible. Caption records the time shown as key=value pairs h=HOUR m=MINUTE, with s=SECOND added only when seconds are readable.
h=8 m=59
